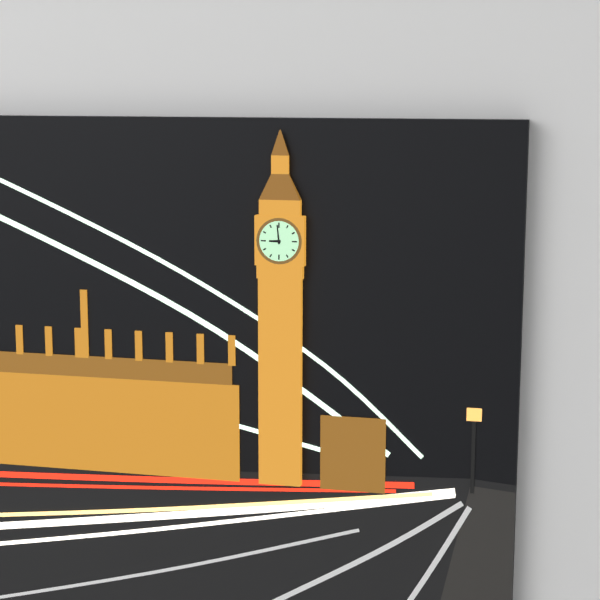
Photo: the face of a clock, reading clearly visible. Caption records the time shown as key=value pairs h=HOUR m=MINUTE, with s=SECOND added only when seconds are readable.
h=8 m=59
